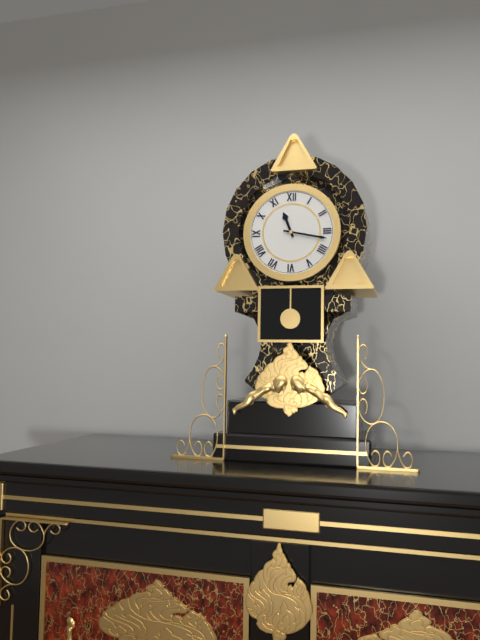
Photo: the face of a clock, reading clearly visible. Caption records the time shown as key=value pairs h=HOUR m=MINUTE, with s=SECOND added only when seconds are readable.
h=11 m=17
